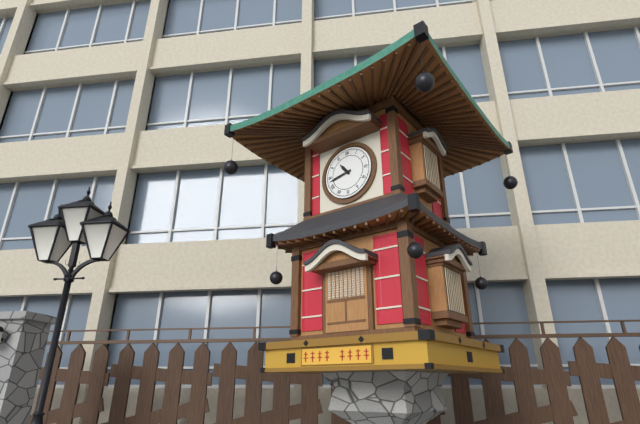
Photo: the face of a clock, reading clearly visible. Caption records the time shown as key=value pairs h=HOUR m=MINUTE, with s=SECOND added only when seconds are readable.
h=10 m=43
